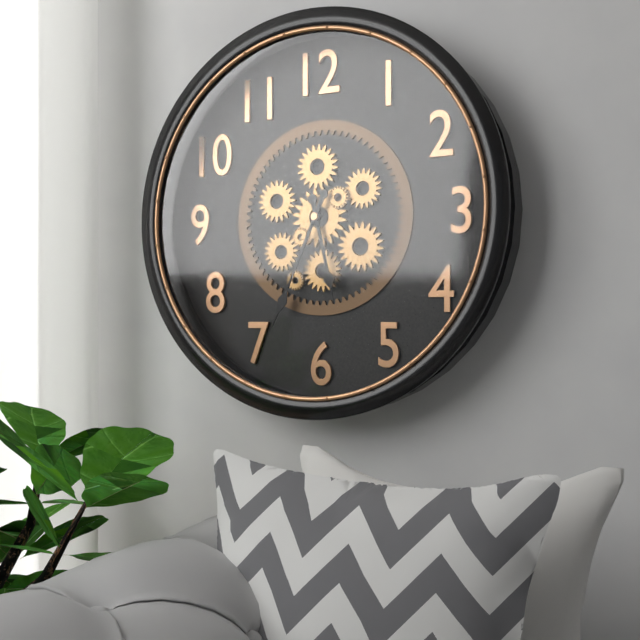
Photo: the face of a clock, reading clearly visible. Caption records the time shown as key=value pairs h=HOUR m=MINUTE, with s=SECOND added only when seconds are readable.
h=5 m=34
